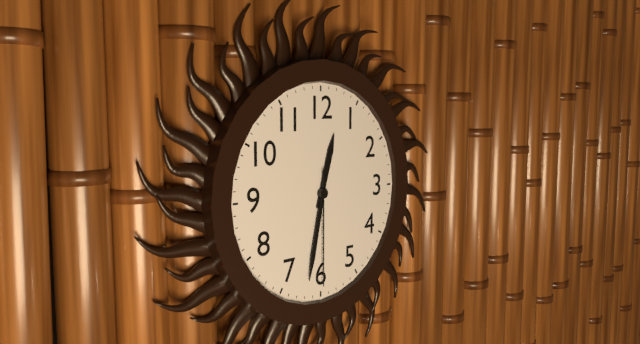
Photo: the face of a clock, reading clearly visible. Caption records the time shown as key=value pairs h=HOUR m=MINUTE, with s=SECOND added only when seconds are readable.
h=12 m=32 s=30
